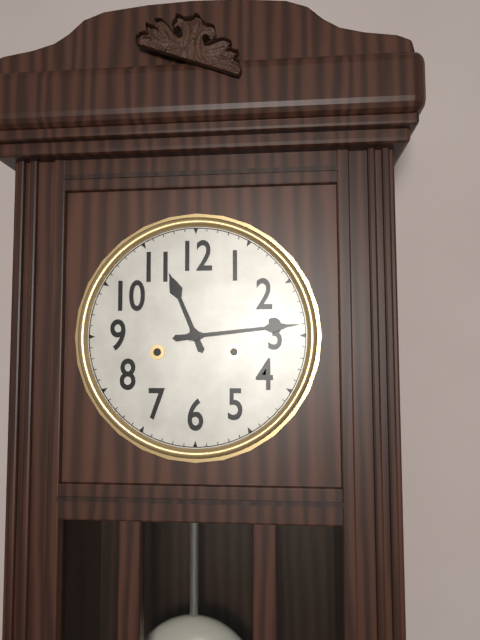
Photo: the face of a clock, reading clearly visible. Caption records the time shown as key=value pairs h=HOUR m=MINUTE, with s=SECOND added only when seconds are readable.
h=11 m=14
